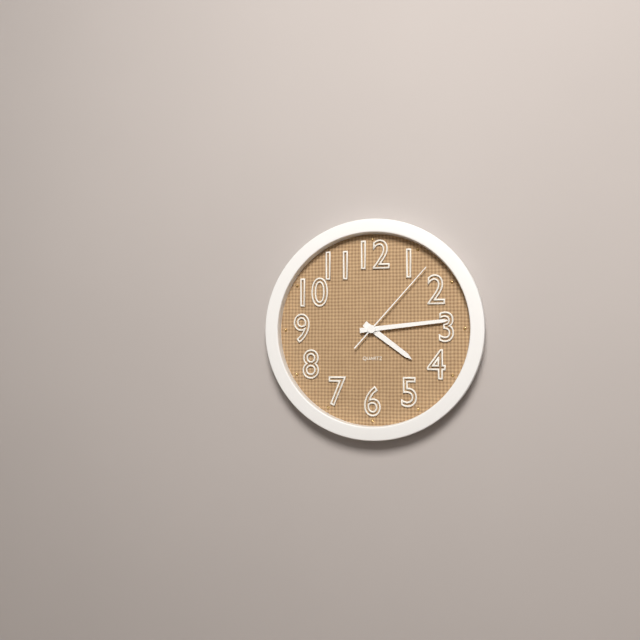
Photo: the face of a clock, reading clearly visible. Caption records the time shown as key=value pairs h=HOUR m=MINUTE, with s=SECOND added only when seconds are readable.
h=4 m=14 s=7
